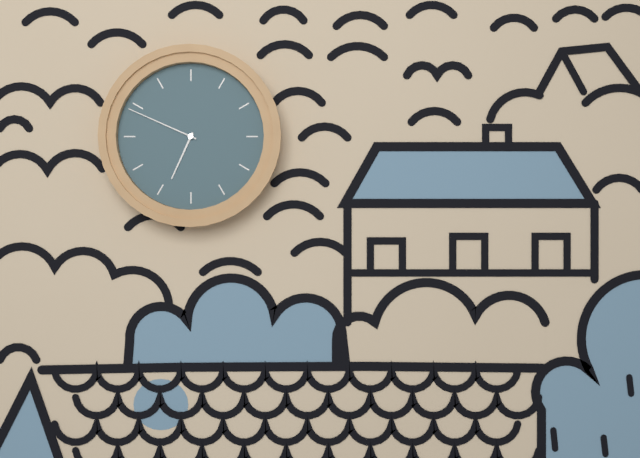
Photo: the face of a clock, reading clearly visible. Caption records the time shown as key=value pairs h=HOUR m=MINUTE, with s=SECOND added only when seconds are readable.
h=6 m=49
